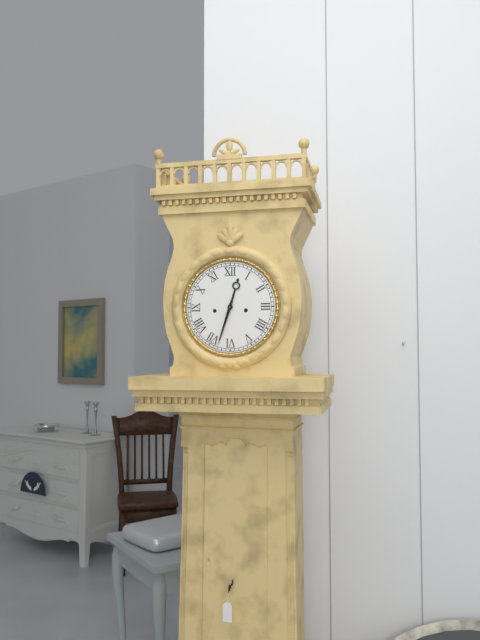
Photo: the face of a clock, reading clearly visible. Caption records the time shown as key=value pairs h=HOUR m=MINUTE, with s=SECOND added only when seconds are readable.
h=12 m=33
